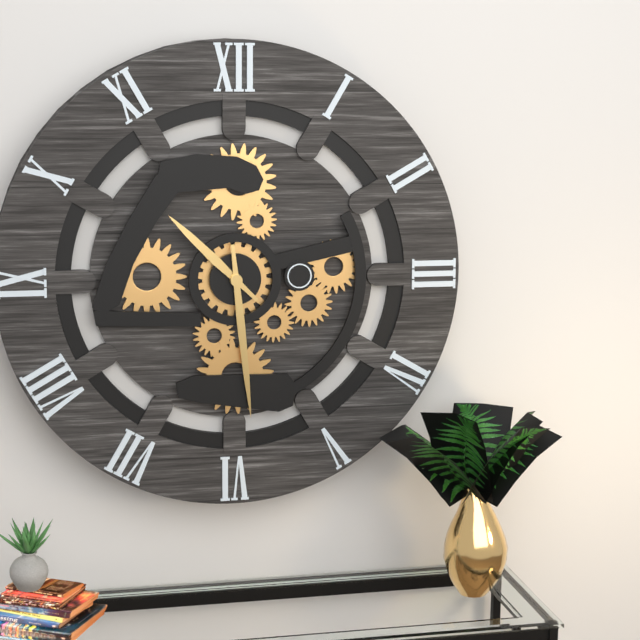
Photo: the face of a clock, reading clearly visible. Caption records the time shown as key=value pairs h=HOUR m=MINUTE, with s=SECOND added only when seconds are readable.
h=10 m=29
